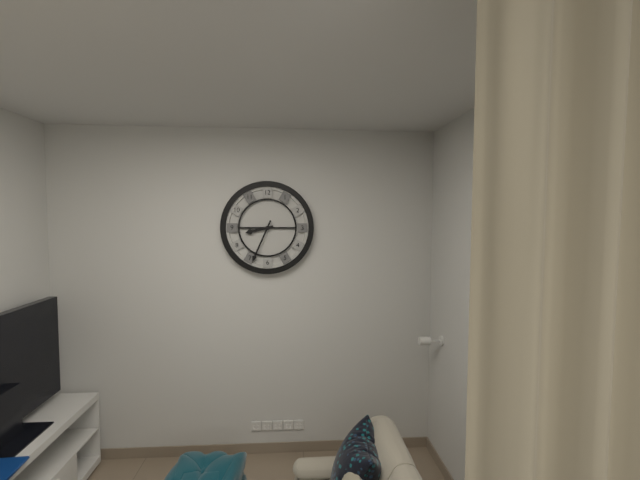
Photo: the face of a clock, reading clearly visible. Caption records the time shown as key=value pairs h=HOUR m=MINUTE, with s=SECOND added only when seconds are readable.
h=8 m=34
